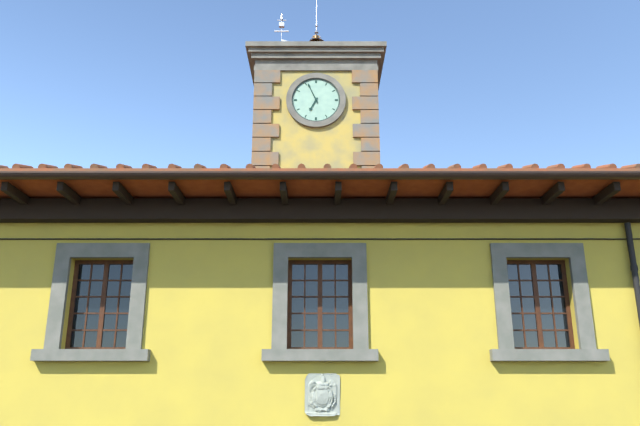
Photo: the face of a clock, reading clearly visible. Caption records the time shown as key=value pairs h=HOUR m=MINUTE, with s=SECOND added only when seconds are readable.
h=6 m=56
